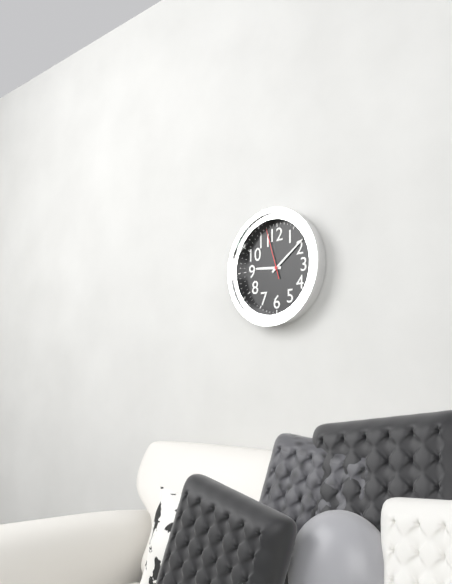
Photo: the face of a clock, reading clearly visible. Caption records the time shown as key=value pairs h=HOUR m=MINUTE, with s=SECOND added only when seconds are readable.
h=9 m=9 s=57
